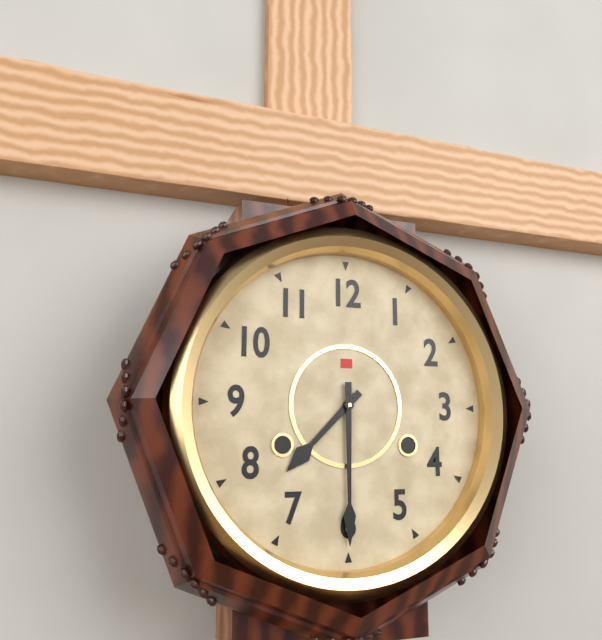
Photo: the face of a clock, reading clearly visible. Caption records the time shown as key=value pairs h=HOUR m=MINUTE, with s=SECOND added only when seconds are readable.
h=7 m=30
